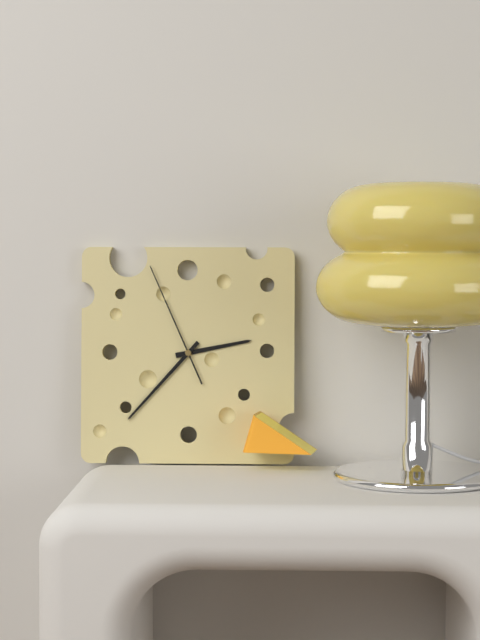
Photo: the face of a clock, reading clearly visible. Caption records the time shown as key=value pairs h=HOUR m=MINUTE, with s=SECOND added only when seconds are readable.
h=2 m=37 s=56
